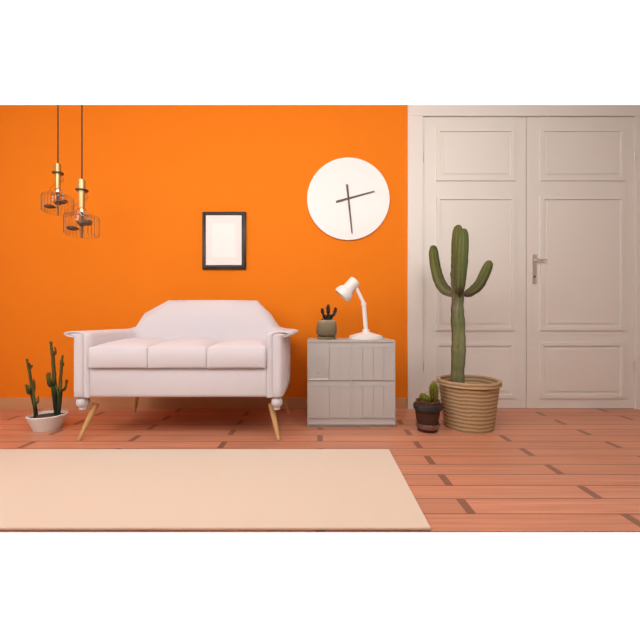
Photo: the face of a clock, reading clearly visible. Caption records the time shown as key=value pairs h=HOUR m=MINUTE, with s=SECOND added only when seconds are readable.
h=2 m=29
